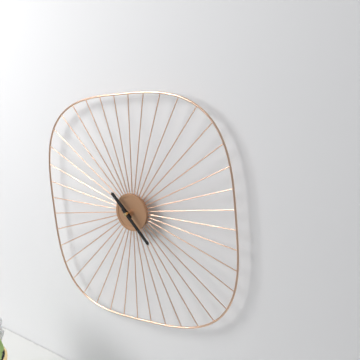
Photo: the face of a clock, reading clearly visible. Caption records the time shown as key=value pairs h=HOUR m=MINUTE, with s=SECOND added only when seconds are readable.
h=10 m=22
